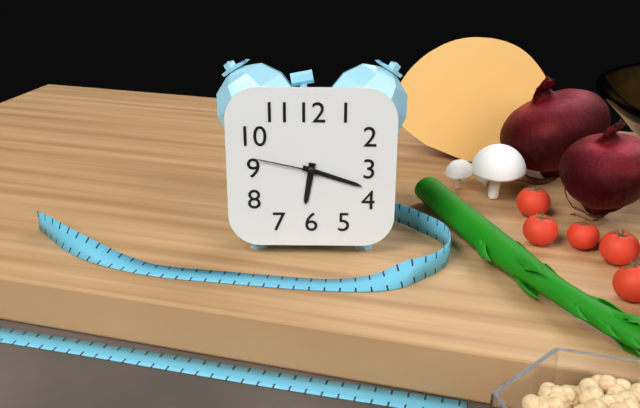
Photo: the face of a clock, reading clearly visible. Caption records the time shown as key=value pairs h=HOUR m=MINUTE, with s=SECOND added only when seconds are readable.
h=6 m=18 s=47
